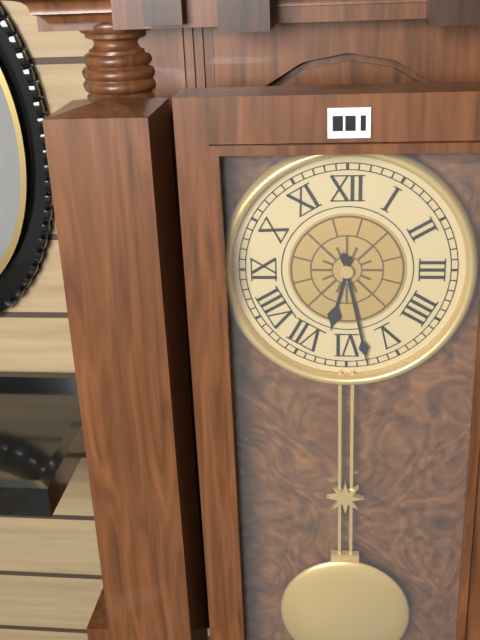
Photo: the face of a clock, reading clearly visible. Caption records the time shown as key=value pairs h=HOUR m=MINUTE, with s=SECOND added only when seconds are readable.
h=6 m=28
